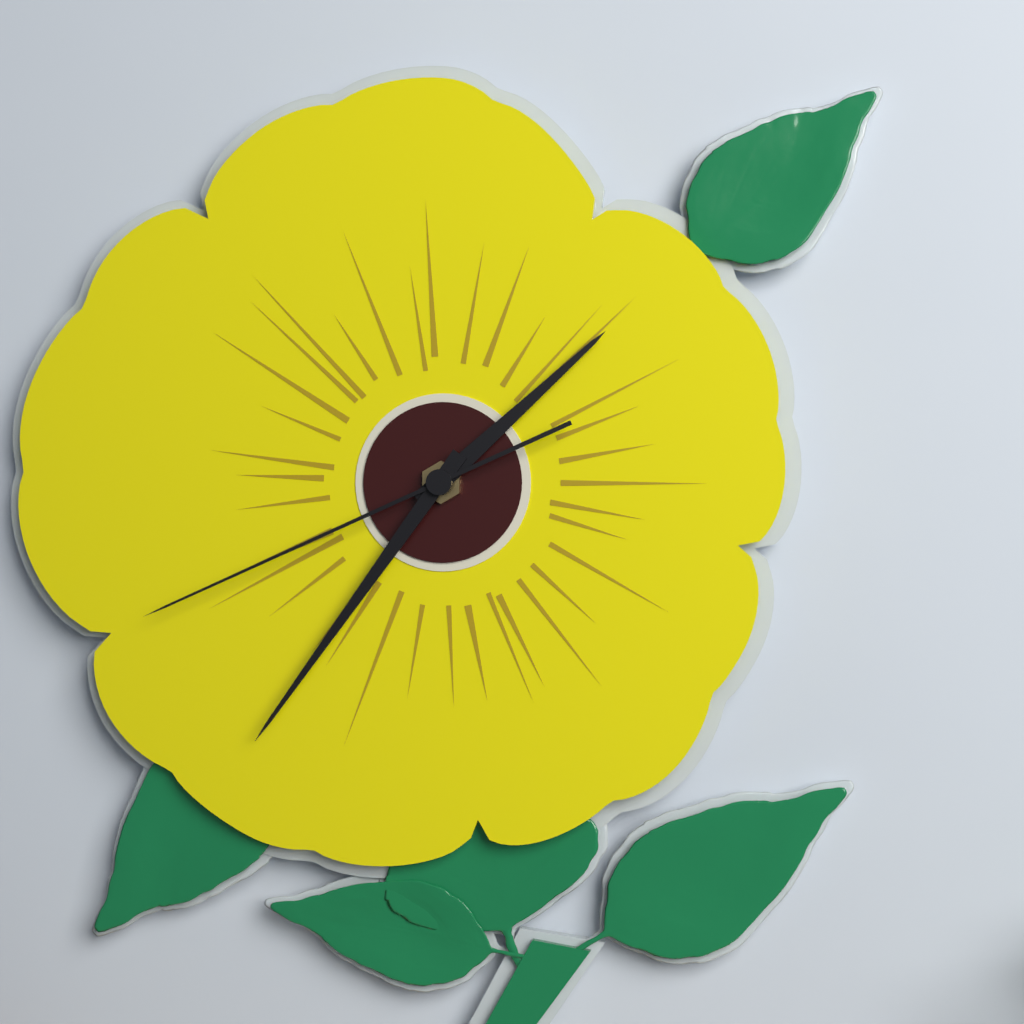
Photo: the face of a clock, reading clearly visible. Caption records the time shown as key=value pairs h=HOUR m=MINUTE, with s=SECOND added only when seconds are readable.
h=1 m=36 s=41
